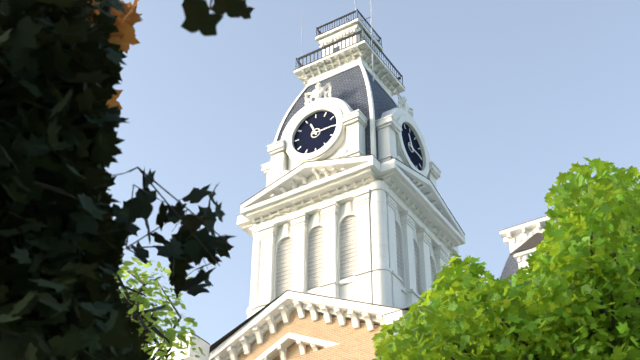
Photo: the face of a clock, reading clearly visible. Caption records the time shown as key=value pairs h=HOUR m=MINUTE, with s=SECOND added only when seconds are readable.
h=11 m=15
